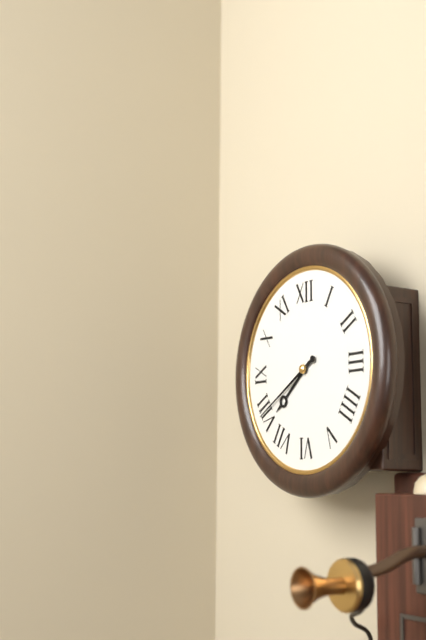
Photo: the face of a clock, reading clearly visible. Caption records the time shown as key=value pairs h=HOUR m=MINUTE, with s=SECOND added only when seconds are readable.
h=7 m=40
